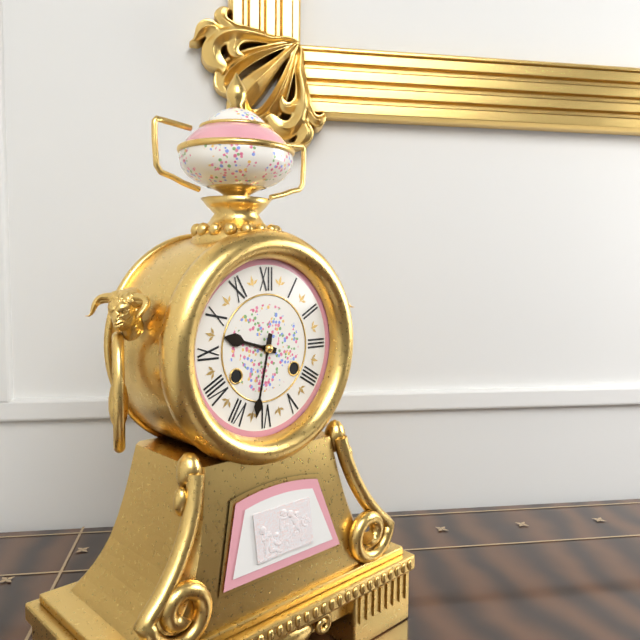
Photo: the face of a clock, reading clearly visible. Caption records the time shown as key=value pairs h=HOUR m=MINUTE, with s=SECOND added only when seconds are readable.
h=9 m=32
